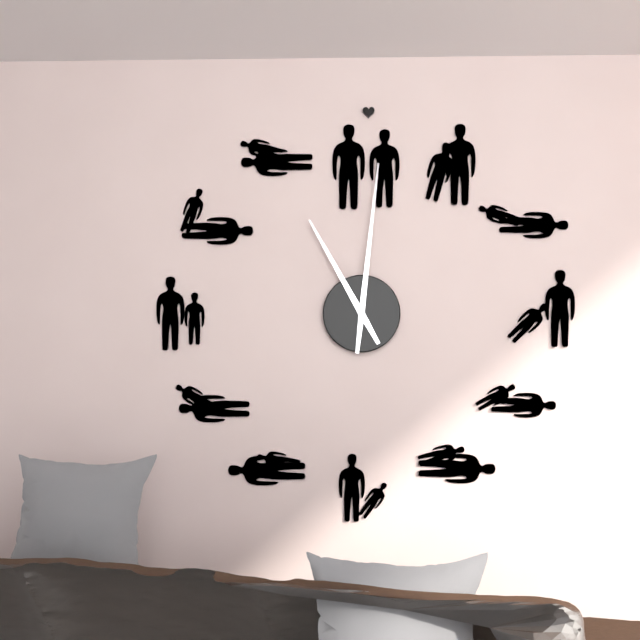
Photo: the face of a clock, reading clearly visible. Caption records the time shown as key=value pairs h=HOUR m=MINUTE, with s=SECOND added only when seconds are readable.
h=11 m=1
